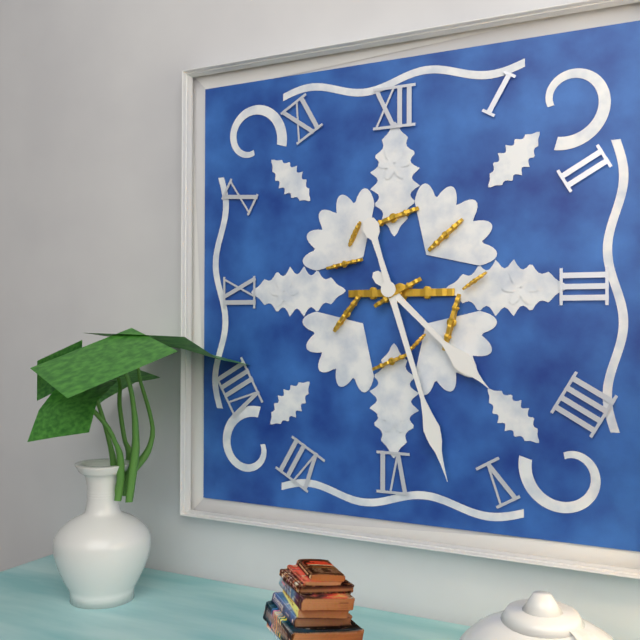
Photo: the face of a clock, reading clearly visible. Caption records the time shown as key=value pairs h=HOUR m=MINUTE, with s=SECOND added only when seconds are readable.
h=4 m=27
